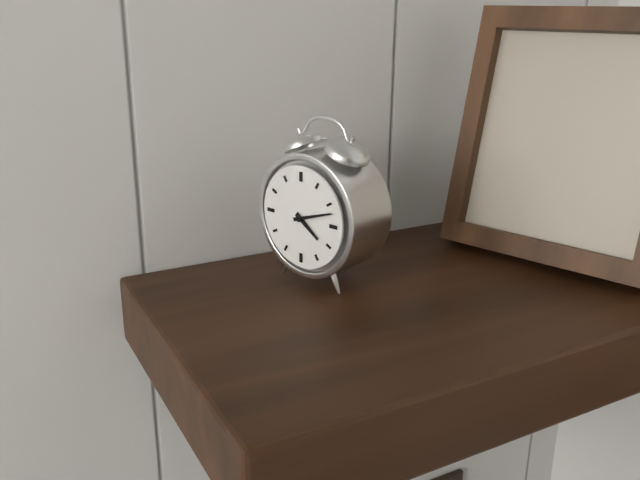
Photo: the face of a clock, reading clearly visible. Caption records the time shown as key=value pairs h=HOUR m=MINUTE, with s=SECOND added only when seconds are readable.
h=4 m=12
